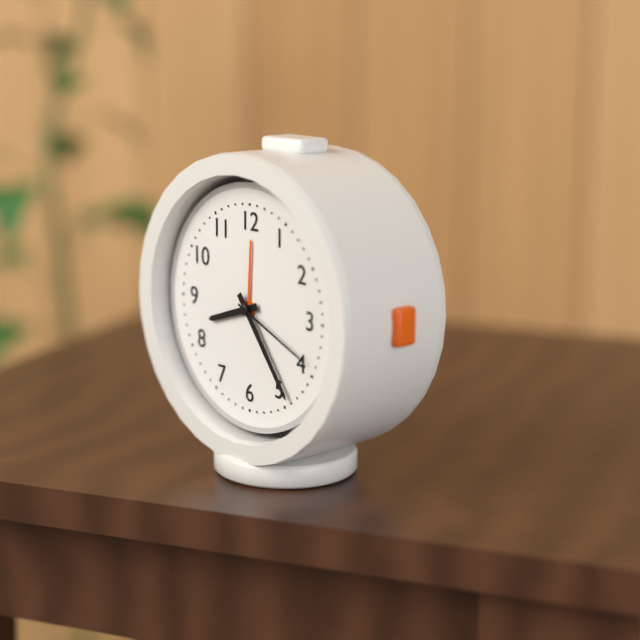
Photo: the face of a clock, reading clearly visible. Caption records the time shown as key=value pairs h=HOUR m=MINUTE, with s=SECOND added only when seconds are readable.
h=8 m=24 s=19
